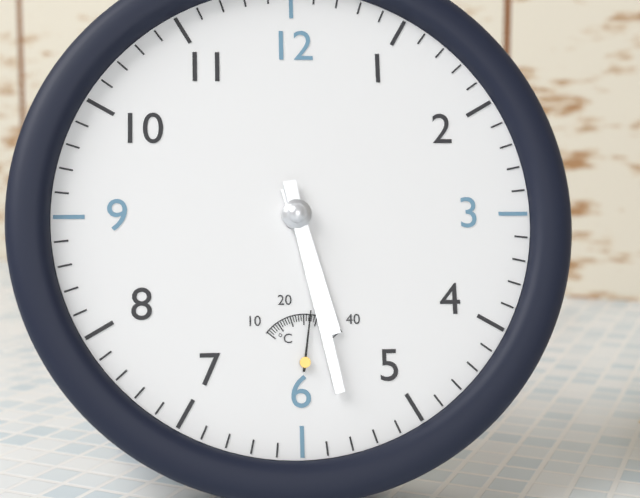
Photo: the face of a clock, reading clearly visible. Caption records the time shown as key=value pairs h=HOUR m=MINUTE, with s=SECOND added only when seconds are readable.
h=5 m=28
